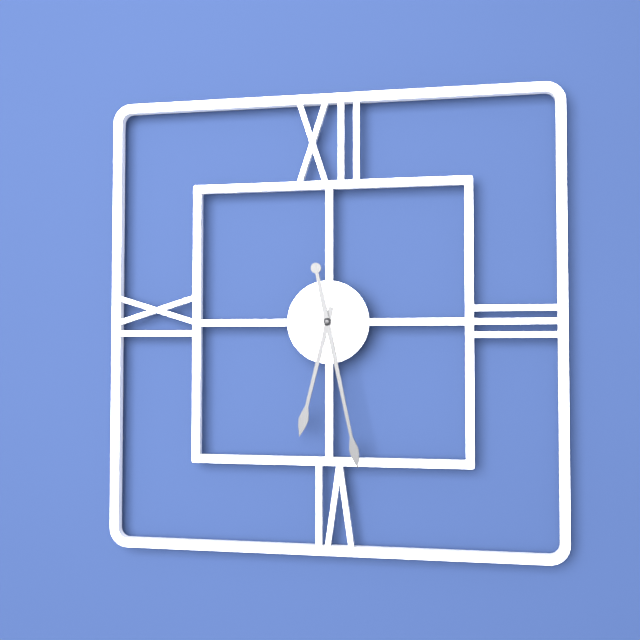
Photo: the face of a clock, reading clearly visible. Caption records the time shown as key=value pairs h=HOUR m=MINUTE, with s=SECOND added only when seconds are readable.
h=6 m=28
